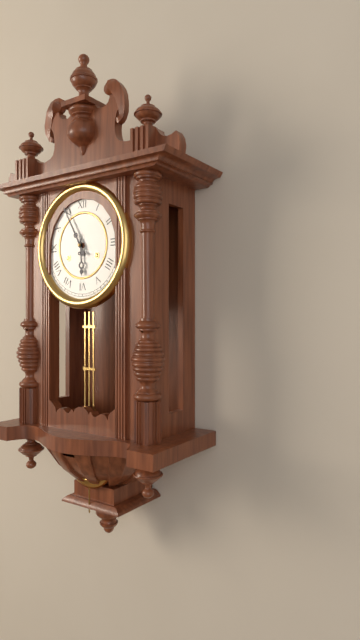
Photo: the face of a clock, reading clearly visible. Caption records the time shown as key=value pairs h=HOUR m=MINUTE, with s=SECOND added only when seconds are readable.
h=5 m=55
